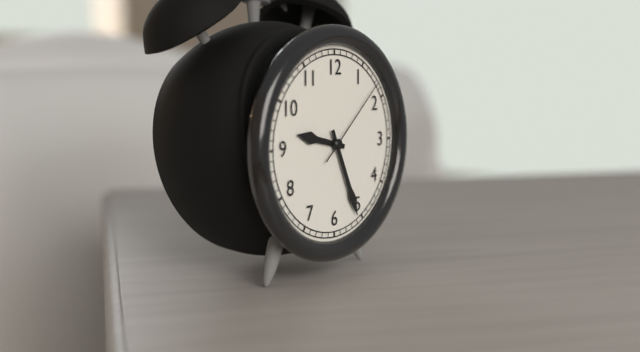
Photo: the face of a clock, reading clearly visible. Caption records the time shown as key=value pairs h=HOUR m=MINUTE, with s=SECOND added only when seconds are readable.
h=9 m=26 s=8
